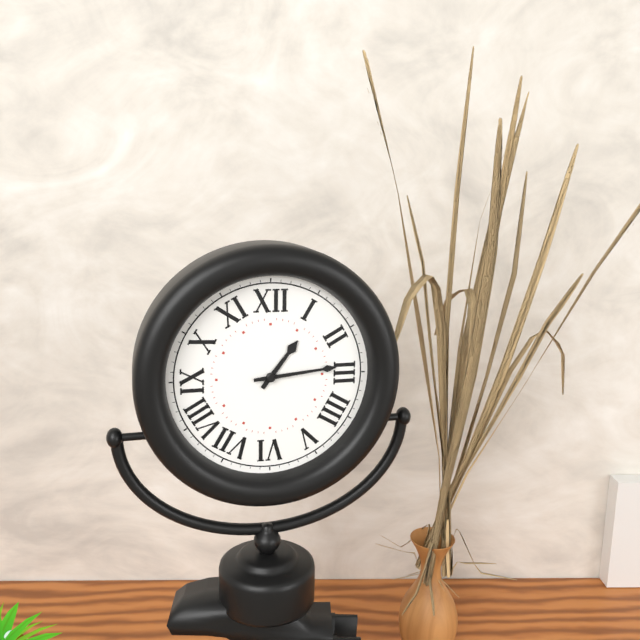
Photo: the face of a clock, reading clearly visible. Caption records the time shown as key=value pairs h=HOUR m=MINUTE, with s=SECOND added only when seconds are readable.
h=1 m=14
